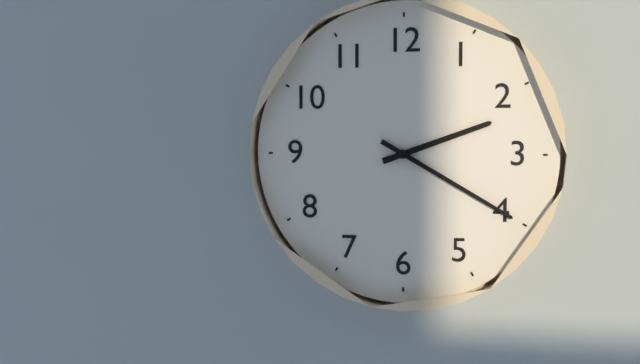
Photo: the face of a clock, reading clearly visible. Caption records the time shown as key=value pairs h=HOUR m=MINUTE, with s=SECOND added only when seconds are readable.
h=2 m=20
